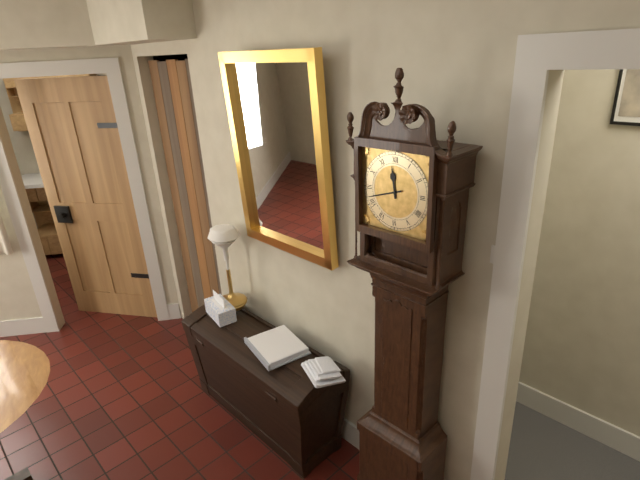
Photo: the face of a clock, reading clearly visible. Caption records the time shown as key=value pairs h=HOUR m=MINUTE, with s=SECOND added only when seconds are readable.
h=11 m=42
